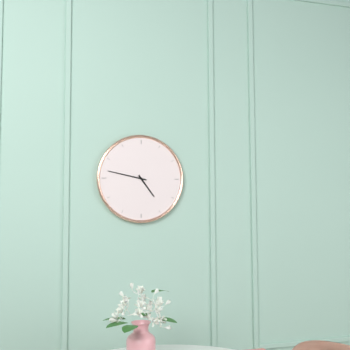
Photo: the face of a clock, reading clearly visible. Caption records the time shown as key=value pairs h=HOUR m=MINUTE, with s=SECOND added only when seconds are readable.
h=4 m=47
